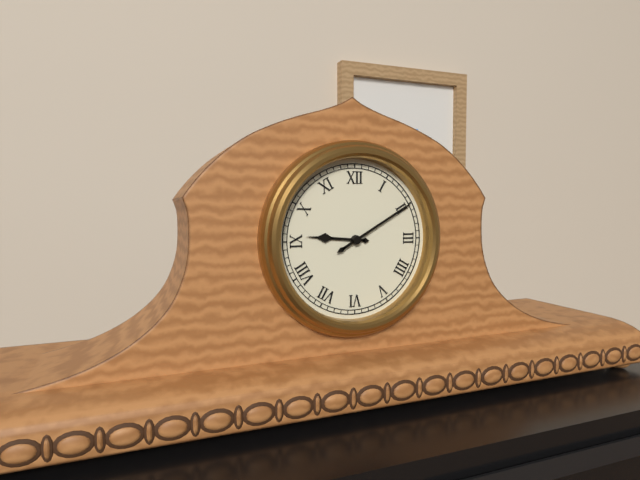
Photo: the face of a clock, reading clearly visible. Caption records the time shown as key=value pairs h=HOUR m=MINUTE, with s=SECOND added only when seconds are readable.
h=9 m=10
